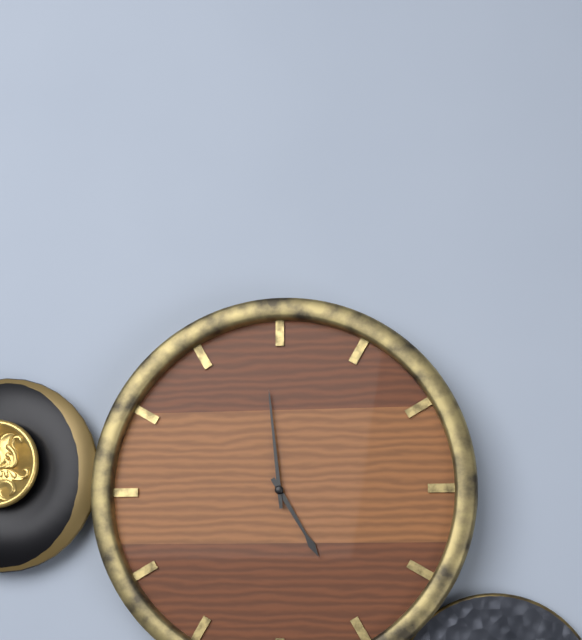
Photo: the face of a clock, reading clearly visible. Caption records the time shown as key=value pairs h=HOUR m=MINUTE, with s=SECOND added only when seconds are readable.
h=4 m=59
